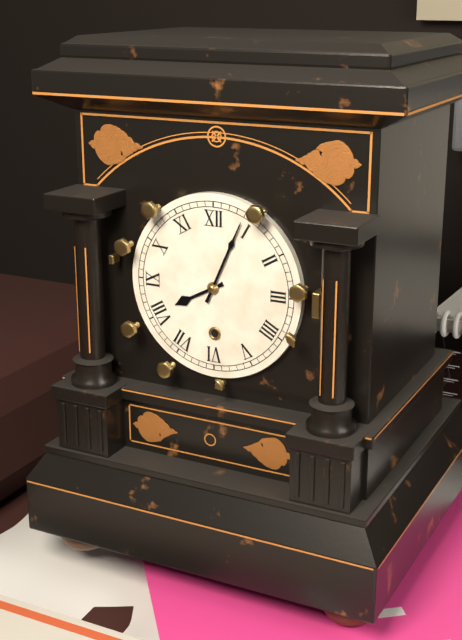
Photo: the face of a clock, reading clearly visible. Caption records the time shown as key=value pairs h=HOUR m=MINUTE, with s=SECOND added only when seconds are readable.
h=8 m=4
